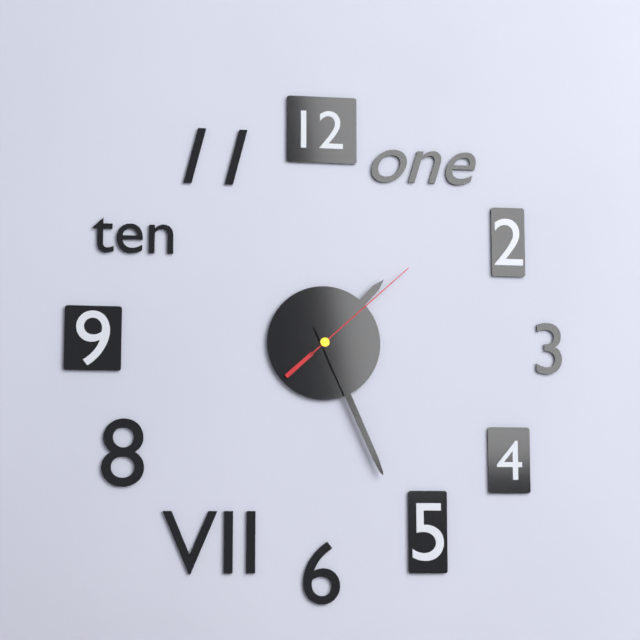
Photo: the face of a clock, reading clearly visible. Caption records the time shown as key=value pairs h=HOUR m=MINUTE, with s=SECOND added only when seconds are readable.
h=1 m=26 s=8
